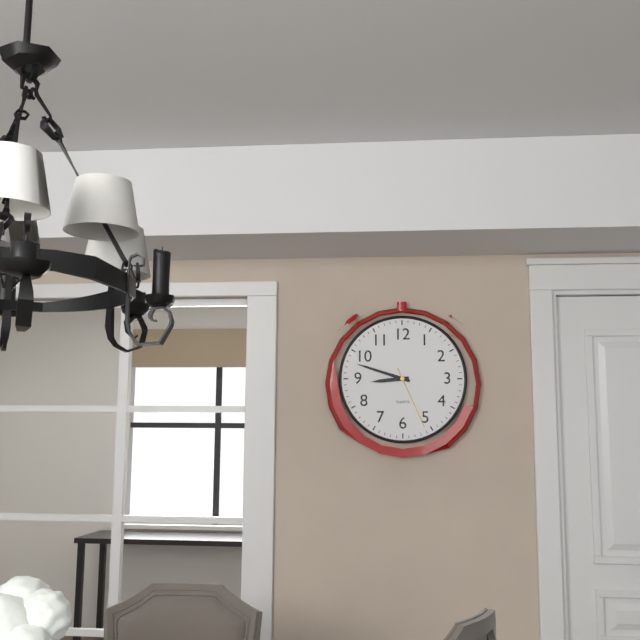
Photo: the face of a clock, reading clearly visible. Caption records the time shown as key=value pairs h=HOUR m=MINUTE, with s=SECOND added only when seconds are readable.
h=8 m=48 s=26
